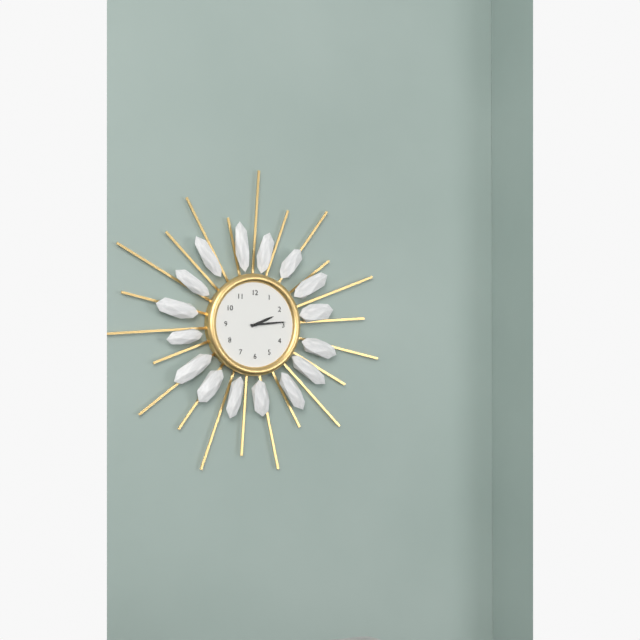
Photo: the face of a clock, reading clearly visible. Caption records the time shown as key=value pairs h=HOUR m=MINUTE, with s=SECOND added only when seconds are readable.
h=2 m=14
